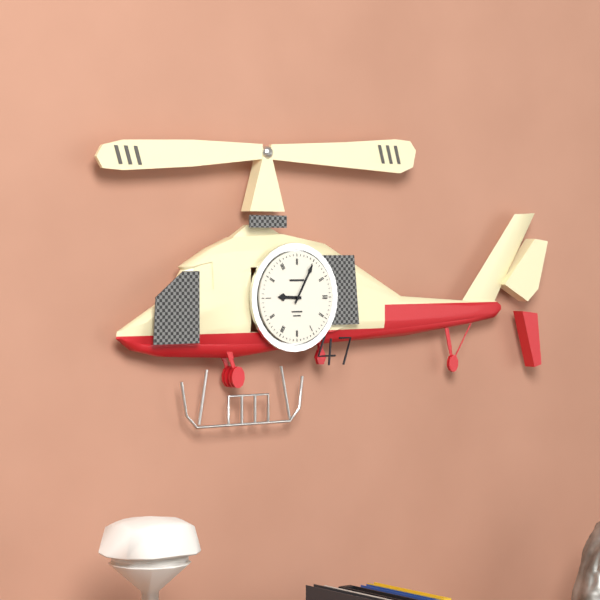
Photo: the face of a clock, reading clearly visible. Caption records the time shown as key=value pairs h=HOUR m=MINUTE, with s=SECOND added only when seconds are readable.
h=9 m=5
